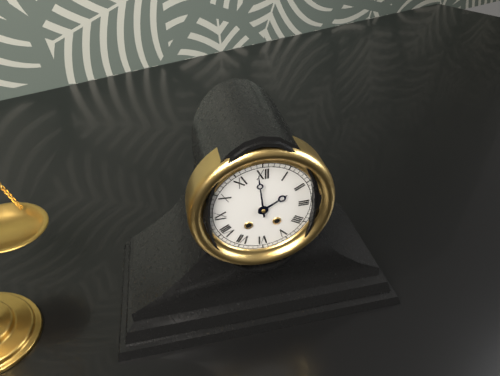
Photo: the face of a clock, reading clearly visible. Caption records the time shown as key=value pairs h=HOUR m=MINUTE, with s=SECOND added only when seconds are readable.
h=1 m=59
